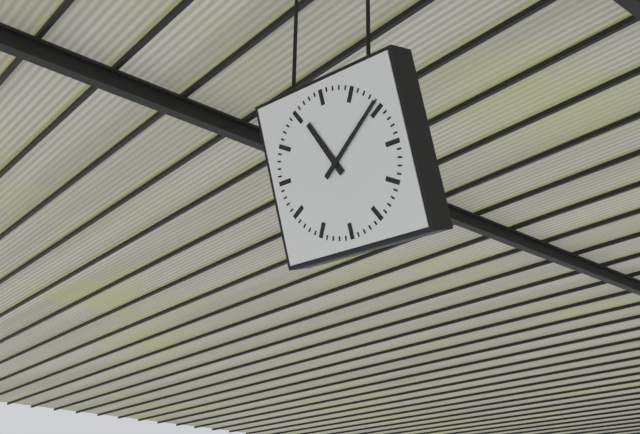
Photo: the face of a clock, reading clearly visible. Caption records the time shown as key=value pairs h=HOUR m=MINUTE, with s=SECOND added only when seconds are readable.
h=11 m=9
